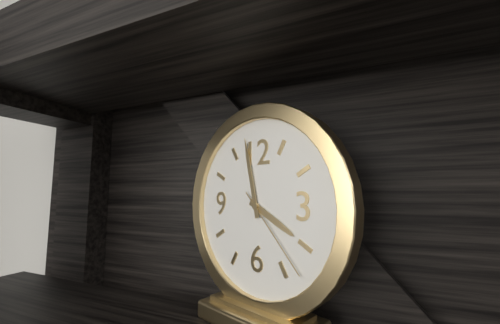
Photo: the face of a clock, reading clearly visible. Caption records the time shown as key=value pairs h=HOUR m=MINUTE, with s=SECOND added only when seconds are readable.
h=3 m=58 s=23
